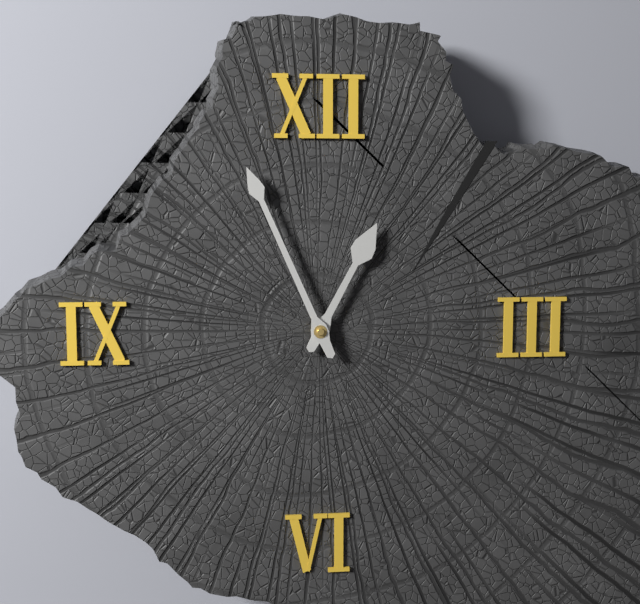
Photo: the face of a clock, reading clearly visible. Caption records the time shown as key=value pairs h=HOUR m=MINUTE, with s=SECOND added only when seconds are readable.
h=12 m=56
